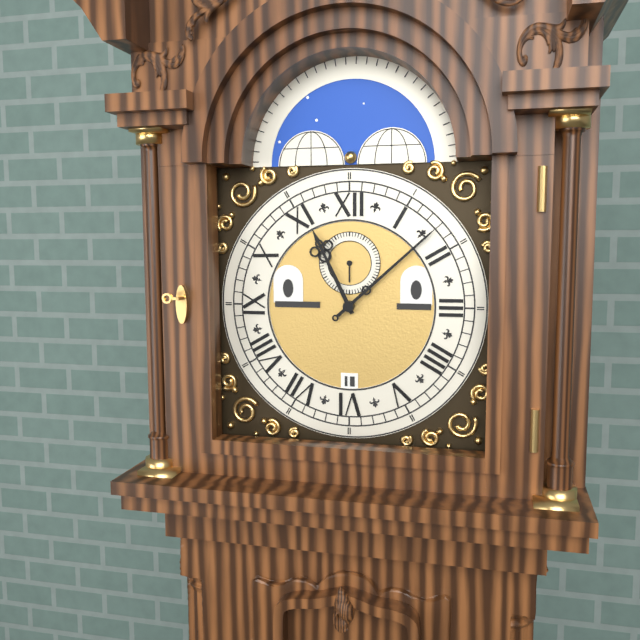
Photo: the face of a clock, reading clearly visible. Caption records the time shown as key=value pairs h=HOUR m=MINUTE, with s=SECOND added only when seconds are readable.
h=11 m=8
